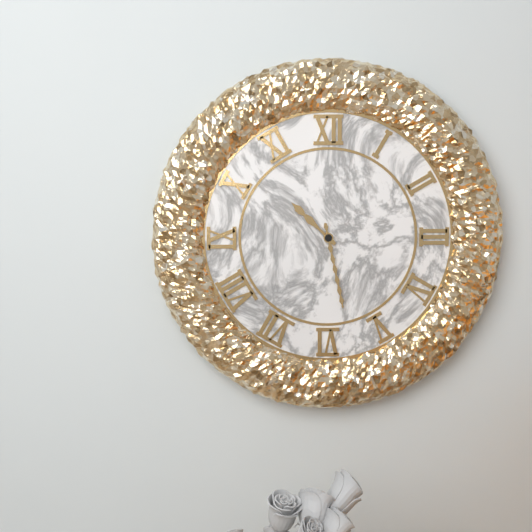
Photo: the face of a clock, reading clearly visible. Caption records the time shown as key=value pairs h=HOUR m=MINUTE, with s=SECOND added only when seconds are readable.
h=10 m=28
